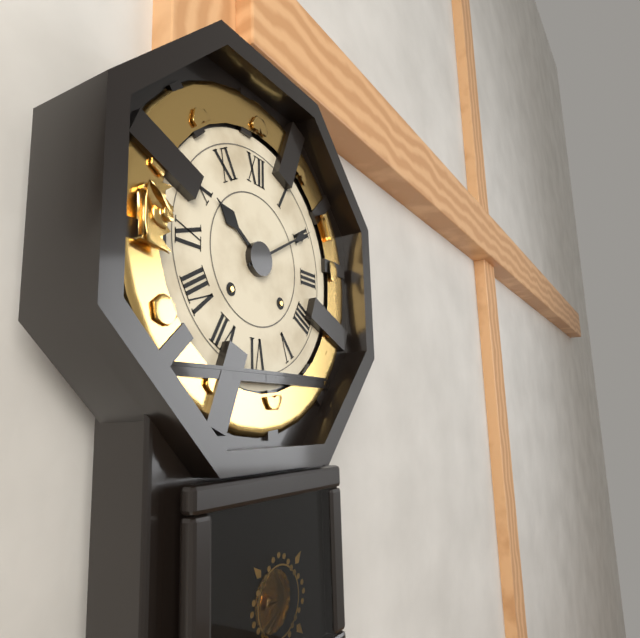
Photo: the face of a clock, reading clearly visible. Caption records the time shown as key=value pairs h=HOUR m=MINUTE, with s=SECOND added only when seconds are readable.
h=10 m=10
